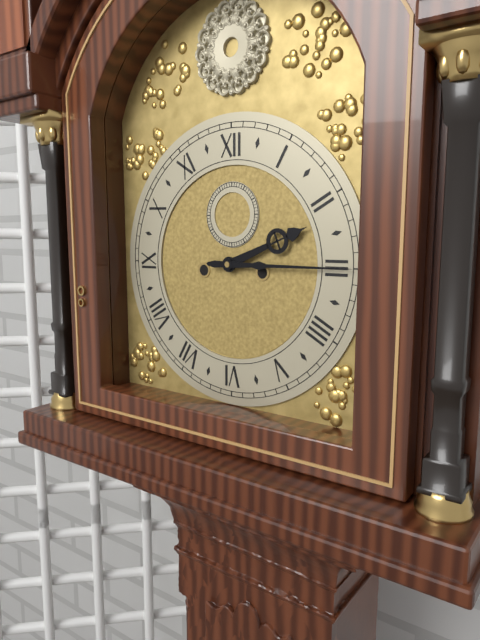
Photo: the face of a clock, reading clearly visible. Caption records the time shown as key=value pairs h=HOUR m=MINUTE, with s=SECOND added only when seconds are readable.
h=2 m=15
